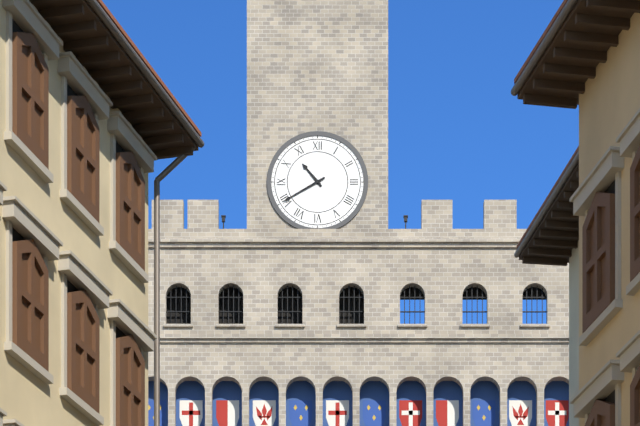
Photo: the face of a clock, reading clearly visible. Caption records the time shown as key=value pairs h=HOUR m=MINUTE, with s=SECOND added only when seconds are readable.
h=10 m=40
